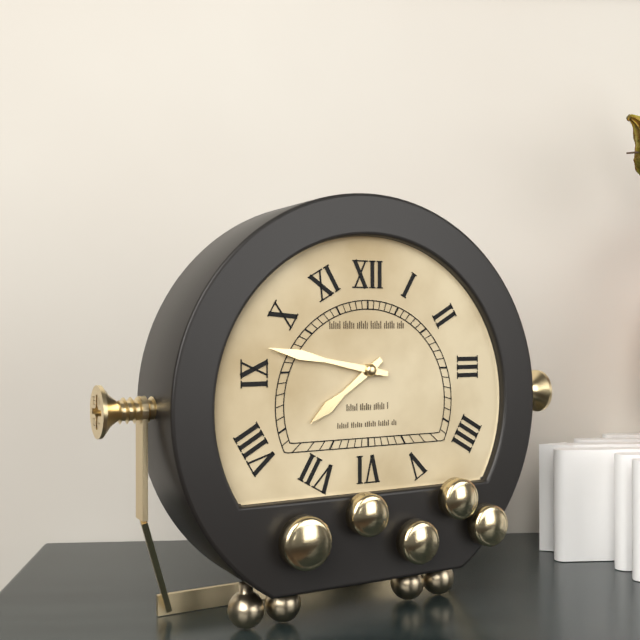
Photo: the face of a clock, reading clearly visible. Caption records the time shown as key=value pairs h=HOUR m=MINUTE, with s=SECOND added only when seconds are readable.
h=7 m=47
